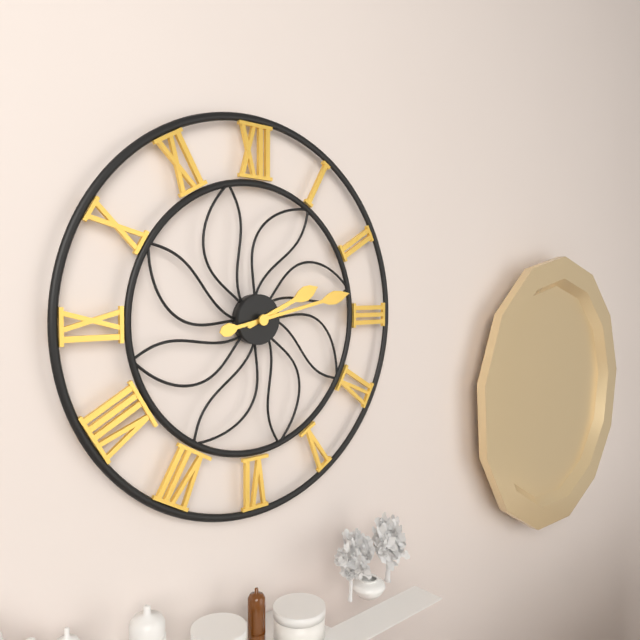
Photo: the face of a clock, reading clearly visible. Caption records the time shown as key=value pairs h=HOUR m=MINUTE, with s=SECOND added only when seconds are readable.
h=2 m=13
